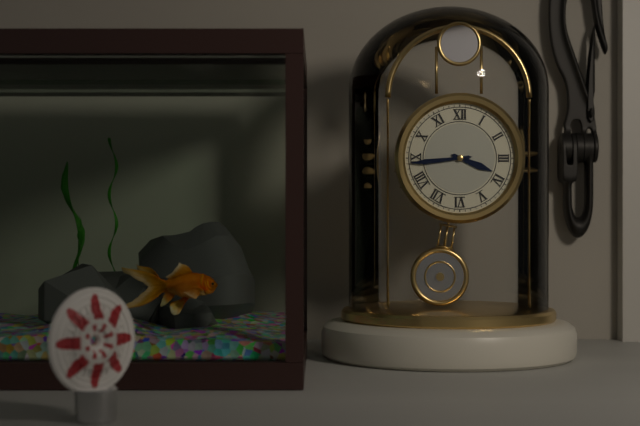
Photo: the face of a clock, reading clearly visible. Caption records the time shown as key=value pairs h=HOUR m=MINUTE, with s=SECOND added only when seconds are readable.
h=3 m=44
